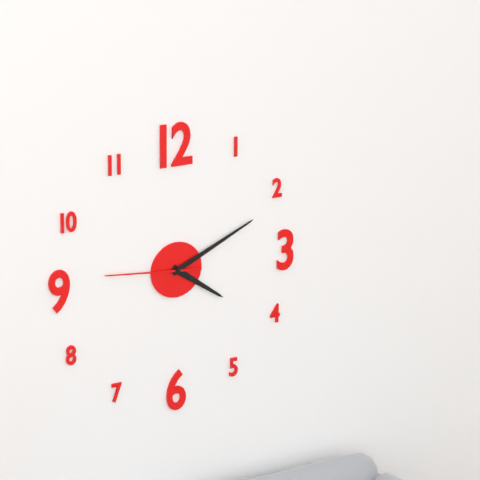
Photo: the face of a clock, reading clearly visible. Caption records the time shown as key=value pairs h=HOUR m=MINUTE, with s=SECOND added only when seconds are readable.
h=4 m=11 s=46
